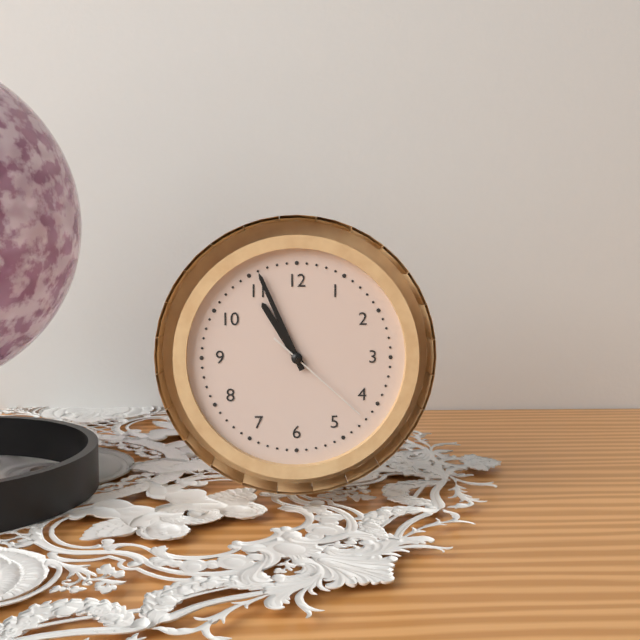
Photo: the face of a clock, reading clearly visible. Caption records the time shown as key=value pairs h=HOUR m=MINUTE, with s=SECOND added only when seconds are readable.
h=10 m=56 s=22
